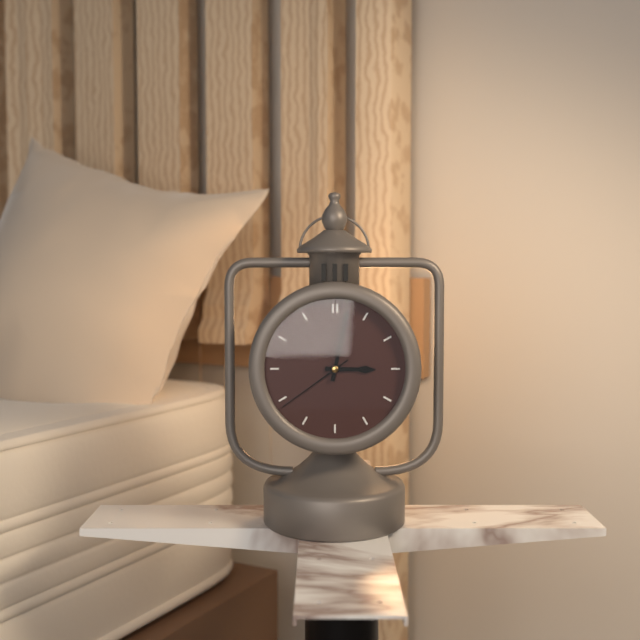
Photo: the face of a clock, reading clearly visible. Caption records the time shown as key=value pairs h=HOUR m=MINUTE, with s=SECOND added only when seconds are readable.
h=3 m=2 s=39
